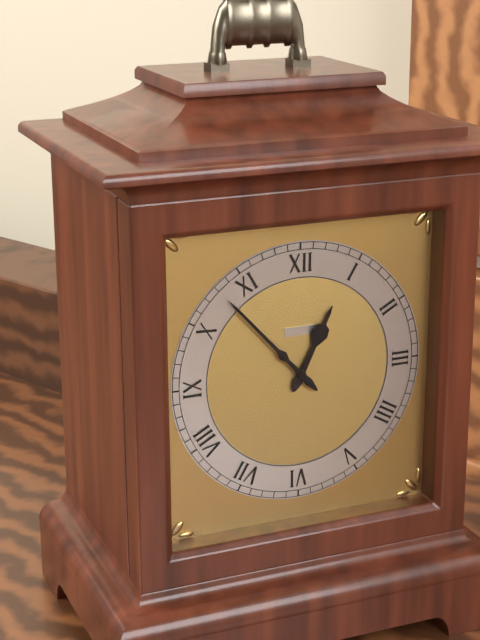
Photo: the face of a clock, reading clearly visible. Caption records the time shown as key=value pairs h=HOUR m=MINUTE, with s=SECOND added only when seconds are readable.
h=12 m=53
